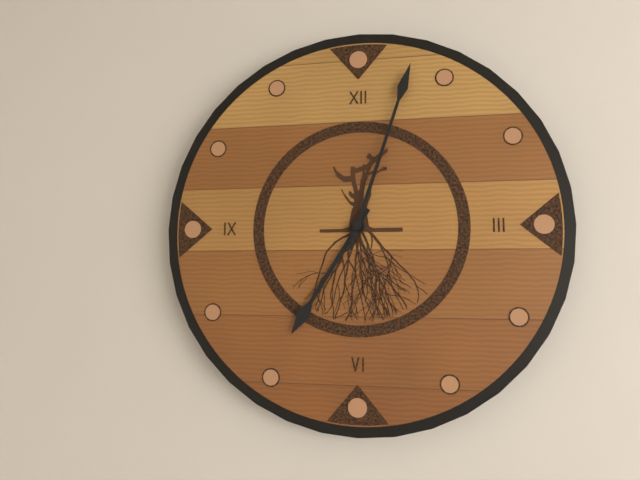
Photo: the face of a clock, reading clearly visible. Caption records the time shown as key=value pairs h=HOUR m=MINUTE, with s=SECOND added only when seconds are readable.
h=7 m=3
